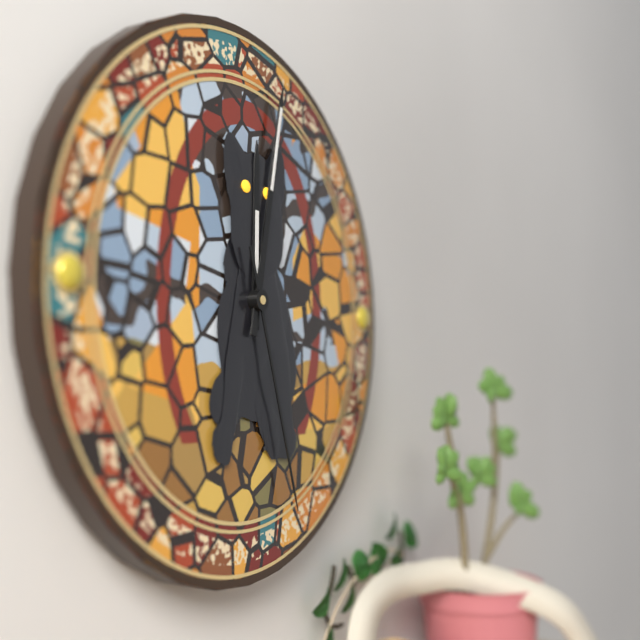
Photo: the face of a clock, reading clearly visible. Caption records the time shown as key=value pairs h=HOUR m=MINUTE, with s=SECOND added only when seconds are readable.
h=12 m=2 s=27
